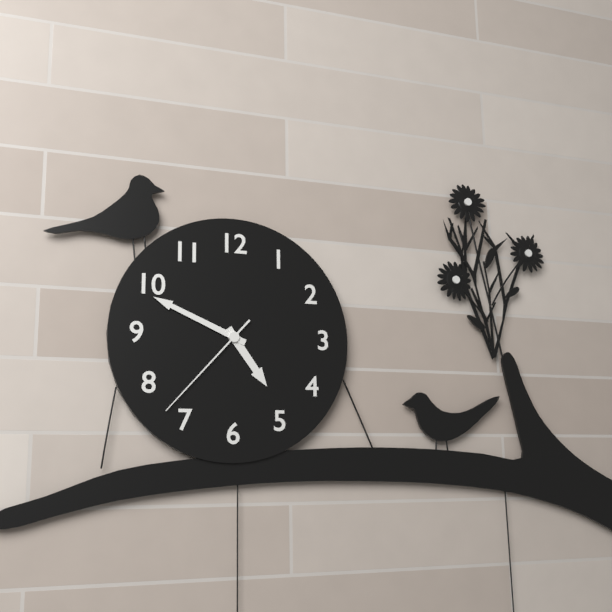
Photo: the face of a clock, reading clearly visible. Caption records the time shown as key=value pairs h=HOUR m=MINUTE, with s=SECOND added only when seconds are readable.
h=4 m=49 s=37
